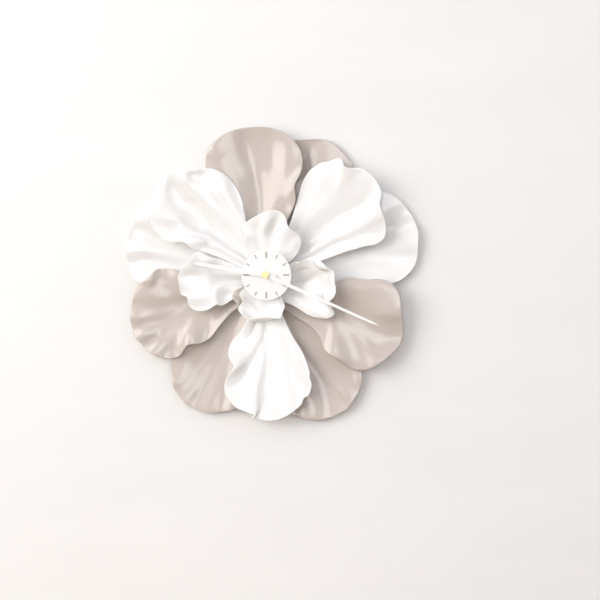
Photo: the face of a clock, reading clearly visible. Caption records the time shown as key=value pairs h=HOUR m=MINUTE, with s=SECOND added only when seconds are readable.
h=9 m=19
